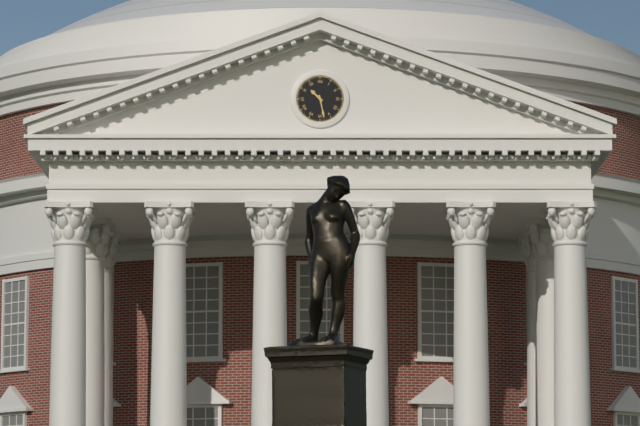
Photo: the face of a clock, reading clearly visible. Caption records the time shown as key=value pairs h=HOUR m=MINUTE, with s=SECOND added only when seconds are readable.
h=10 m=28
